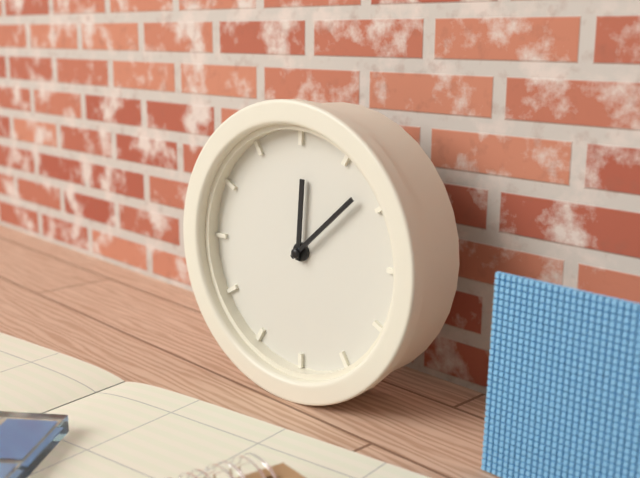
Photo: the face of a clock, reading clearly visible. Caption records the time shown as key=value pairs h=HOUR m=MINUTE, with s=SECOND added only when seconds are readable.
h=12 m=8
